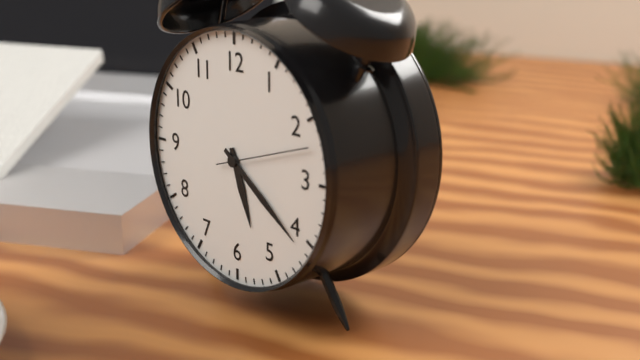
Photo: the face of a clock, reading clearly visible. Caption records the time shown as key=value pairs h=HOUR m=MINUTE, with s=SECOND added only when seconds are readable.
h=5 m=21
